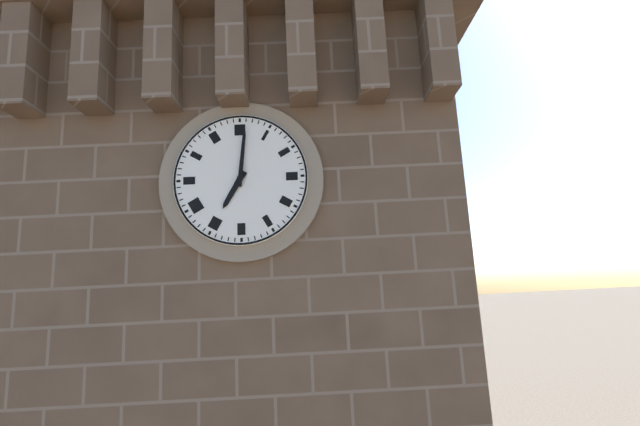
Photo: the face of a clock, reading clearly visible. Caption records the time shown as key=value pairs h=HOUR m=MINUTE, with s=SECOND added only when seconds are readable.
h=7 m=1
